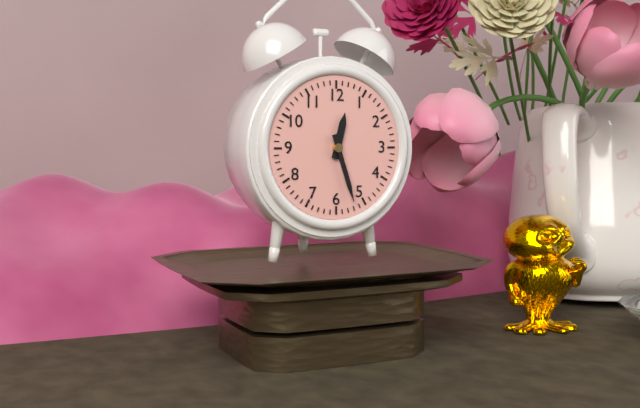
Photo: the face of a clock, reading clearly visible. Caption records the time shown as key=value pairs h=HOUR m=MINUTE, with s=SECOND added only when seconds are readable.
h=12 m=27
